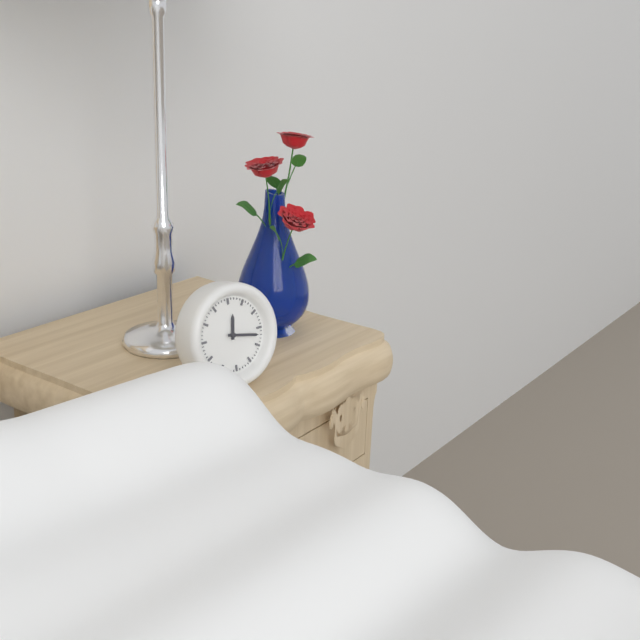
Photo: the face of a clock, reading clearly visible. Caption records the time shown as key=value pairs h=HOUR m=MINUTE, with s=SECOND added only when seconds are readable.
h=12 m=17
